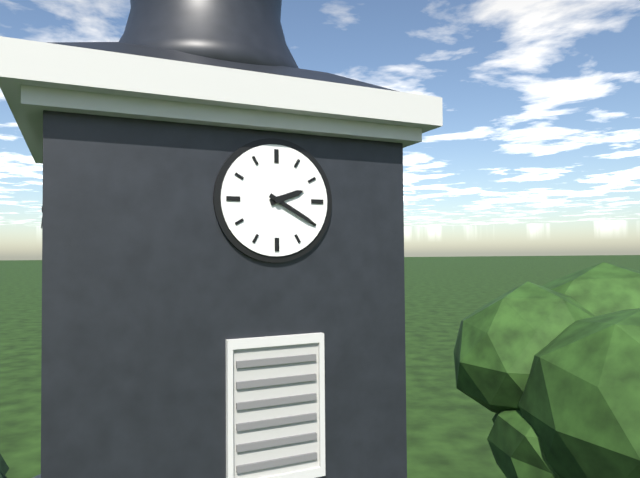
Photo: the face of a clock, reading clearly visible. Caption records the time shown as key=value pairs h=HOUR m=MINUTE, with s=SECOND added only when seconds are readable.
h=2 m=20
